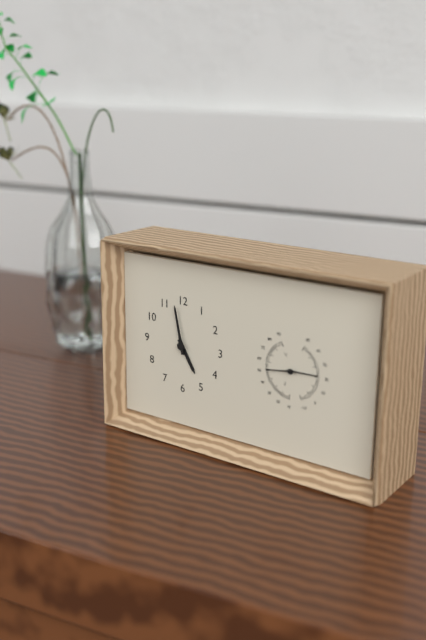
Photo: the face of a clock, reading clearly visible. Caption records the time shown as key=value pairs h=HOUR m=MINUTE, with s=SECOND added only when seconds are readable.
h=4 m=58
